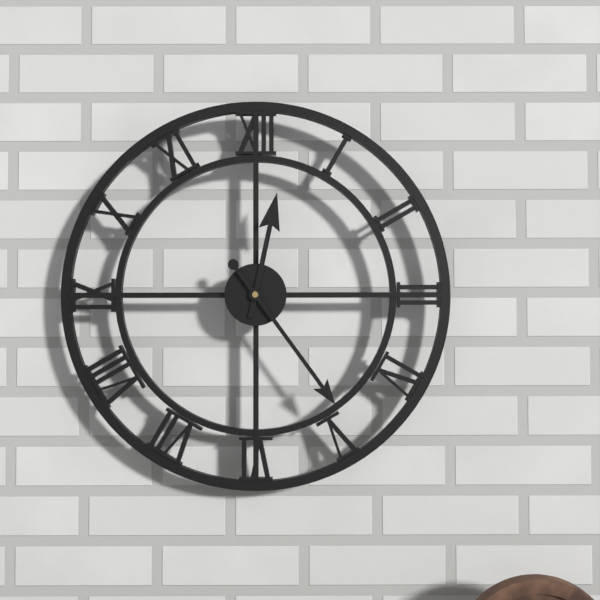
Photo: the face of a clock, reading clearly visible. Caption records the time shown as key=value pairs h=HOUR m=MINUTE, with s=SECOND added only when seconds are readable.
h=12 m=24
